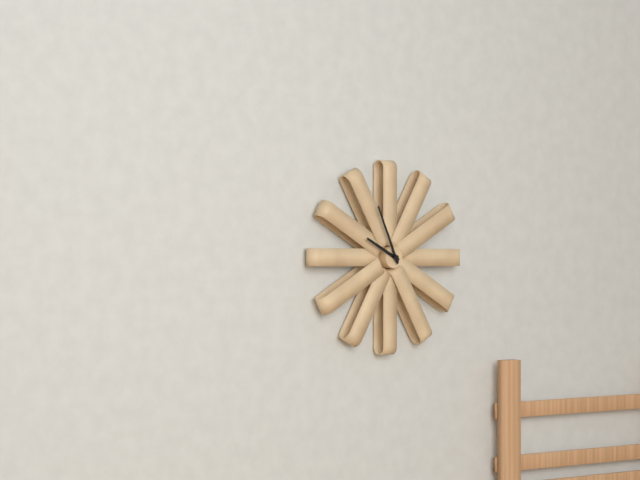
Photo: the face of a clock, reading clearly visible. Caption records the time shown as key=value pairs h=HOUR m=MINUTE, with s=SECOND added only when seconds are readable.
h=9 m=56
